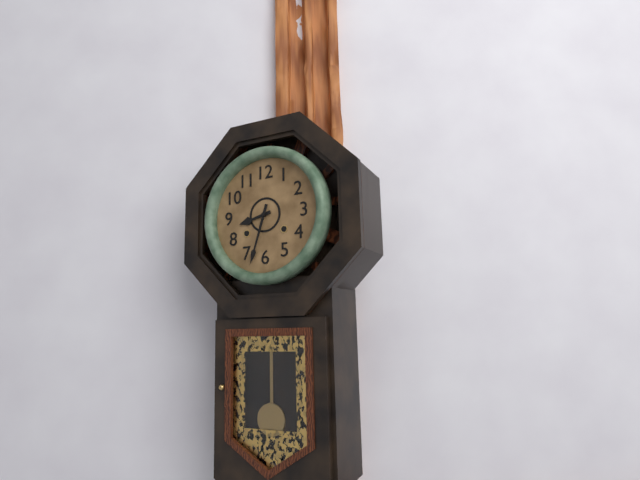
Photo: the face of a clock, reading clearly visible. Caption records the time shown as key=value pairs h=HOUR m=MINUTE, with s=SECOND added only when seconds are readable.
h=8 m=33
